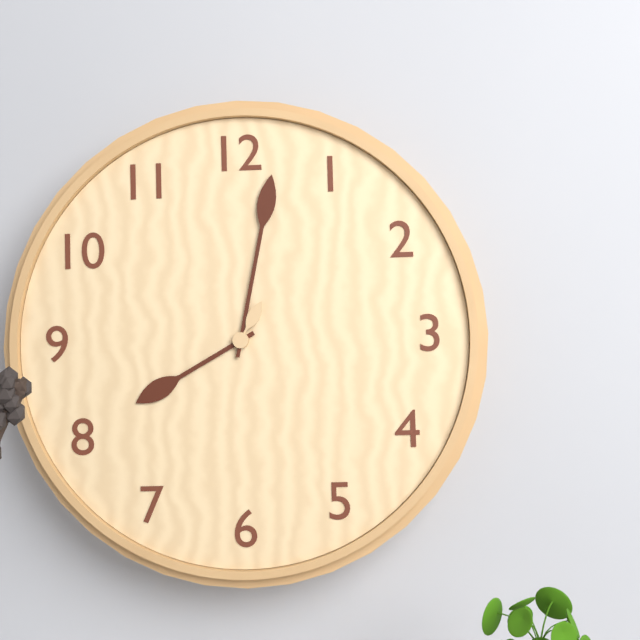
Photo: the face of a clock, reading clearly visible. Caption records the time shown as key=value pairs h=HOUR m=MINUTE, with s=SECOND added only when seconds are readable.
h=8 m=2 s=5
